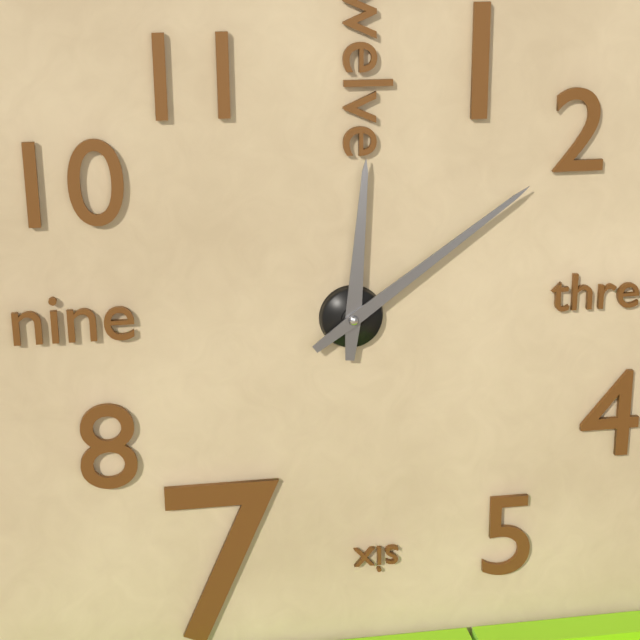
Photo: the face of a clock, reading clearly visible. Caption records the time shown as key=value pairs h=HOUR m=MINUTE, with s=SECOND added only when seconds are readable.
h=12 m=9
